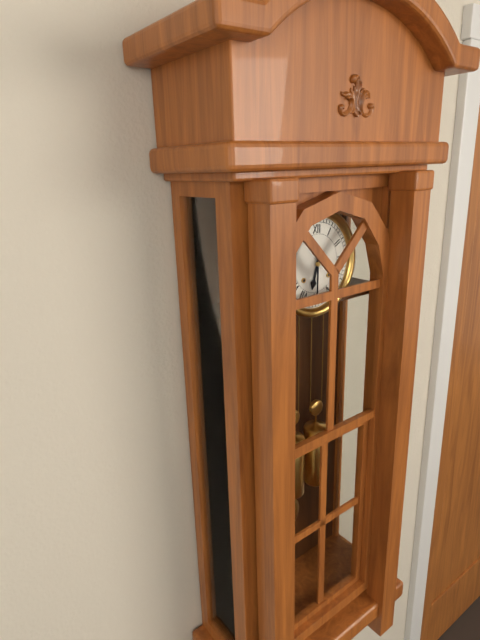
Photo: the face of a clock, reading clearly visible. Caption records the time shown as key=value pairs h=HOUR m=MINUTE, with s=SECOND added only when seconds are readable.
h=6 m=30
